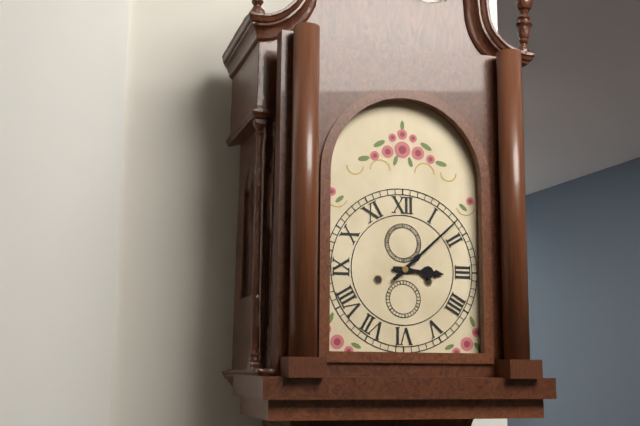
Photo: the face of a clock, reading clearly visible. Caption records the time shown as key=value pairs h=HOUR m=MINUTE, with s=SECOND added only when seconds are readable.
h=3 m=8
